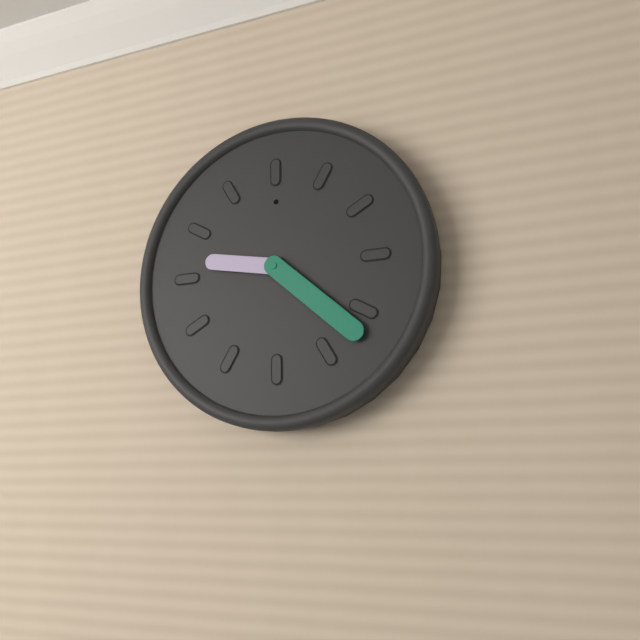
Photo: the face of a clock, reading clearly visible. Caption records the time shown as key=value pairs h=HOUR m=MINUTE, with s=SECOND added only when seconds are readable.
h=9 m=22
